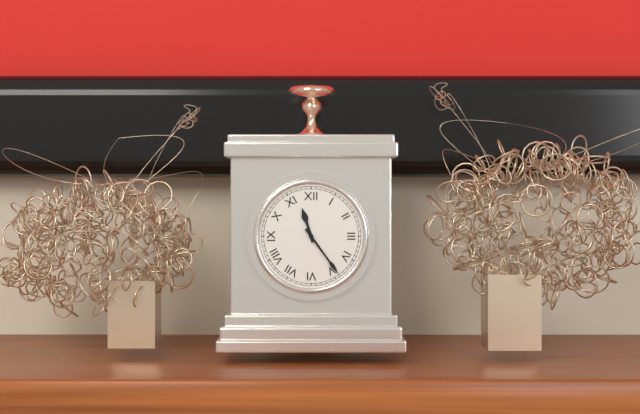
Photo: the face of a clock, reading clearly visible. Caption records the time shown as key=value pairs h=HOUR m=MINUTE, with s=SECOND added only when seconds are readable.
h=11 m=24
